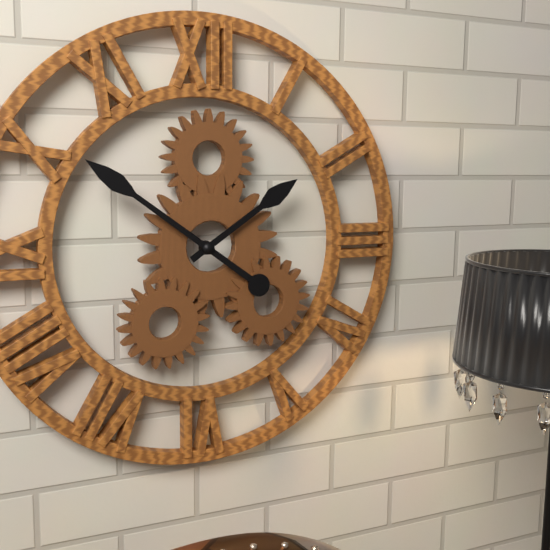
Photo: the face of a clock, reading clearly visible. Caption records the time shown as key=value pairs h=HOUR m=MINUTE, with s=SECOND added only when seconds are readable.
h=1 m=51
